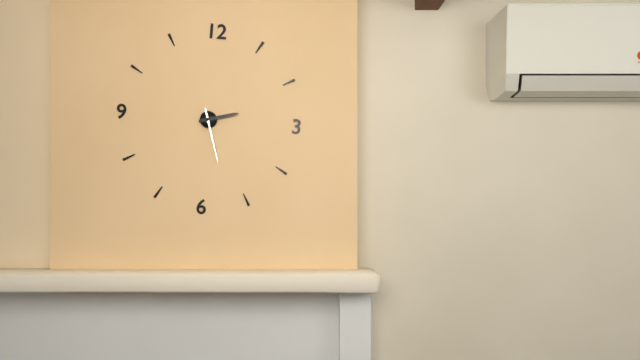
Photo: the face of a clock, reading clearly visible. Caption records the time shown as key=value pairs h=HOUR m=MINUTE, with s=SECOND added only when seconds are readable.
h=2 m=27
